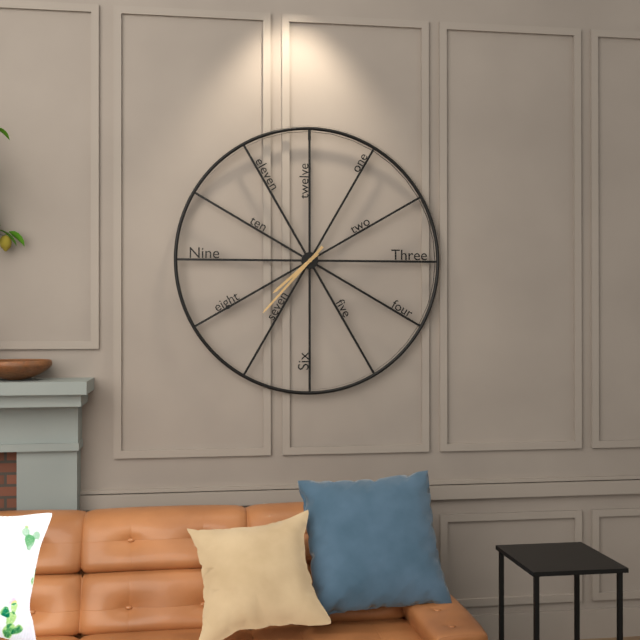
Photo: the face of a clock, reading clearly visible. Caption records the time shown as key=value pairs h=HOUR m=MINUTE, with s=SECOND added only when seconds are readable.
h=7 m=37
